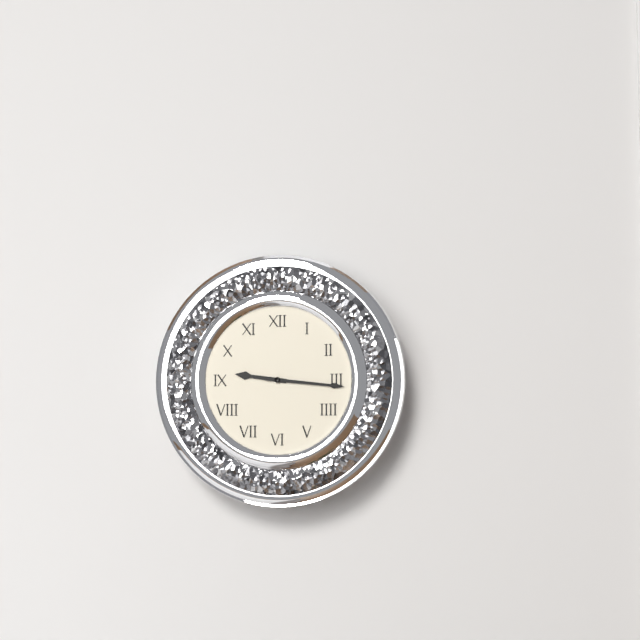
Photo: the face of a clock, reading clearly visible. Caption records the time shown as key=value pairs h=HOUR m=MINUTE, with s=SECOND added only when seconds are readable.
h=9 m=16
